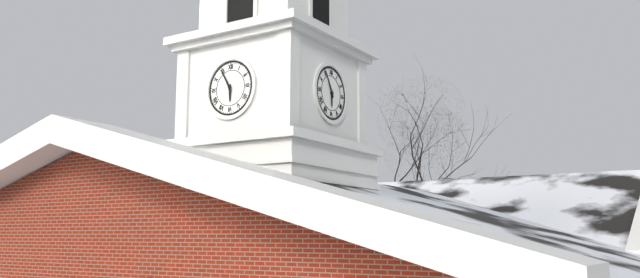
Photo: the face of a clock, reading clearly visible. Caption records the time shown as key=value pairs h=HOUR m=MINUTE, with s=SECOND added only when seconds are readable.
h=5 m=55
